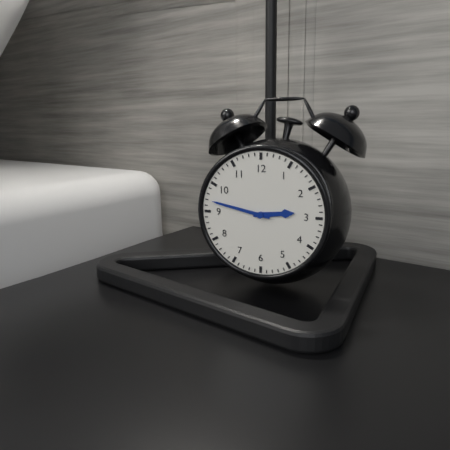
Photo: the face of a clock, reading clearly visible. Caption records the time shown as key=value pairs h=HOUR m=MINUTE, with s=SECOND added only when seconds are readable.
h=2 m=47
